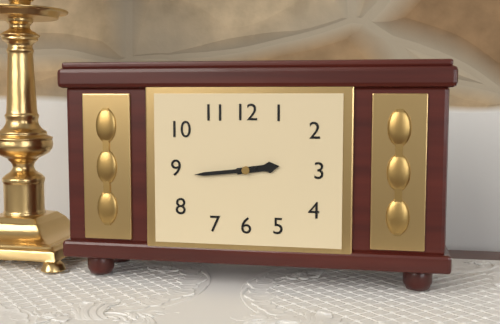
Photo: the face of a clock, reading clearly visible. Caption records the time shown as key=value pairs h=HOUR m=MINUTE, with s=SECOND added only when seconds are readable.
h=2 m=44
